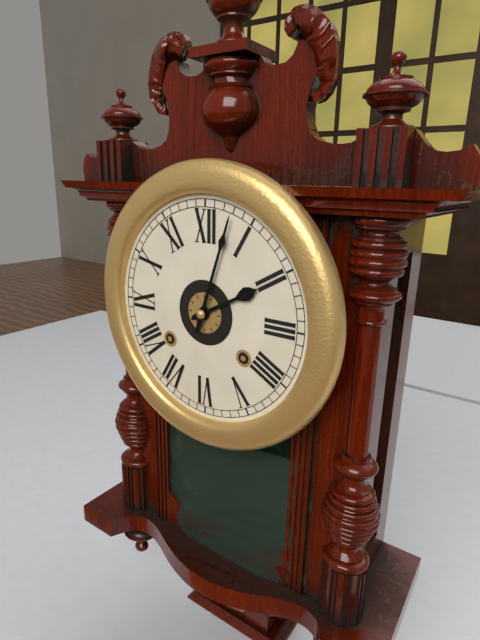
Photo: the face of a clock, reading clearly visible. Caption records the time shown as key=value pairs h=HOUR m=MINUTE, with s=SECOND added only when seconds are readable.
h=2 m=3
